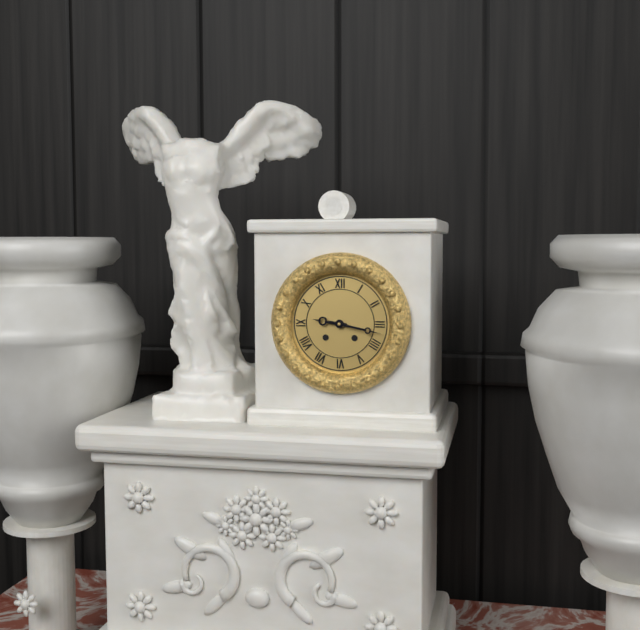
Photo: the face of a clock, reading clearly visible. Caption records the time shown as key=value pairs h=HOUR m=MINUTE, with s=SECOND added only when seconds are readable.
h=9 m=17
